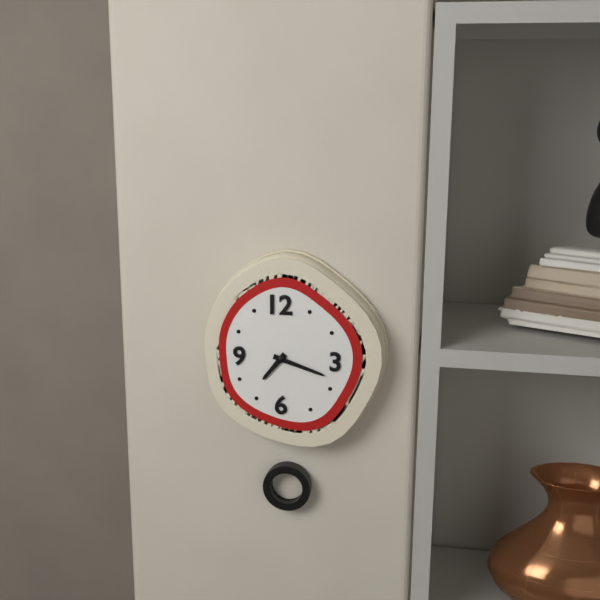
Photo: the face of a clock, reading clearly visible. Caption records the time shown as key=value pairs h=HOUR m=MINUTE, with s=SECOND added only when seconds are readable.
h=7 m=18
